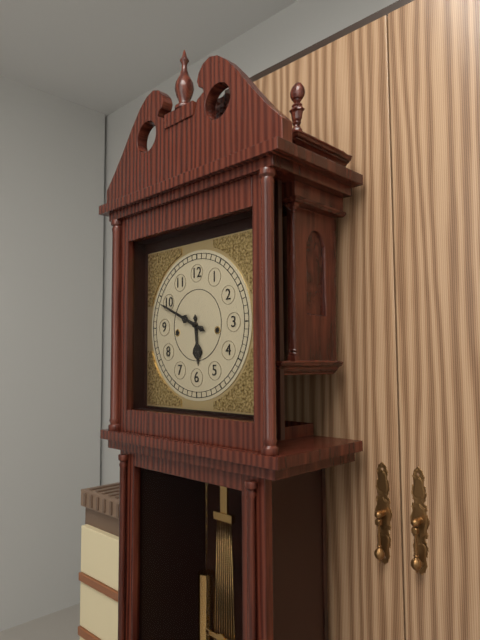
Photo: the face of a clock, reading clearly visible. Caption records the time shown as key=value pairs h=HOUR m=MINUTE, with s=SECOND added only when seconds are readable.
h=5 m=49
